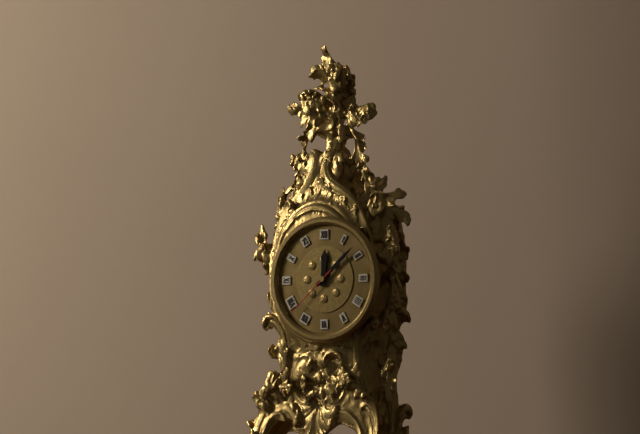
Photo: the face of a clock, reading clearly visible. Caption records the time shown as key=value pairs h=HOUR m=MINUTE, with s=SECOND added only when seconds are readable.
h=12 m=8 s=38
